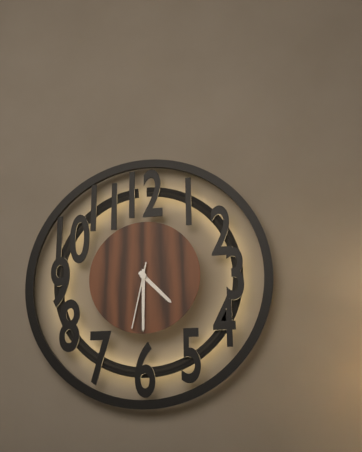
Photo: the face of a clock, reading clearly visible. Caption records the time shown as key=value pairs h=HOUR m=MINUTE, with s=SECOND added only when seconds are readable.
h=4 m=30 s=32
